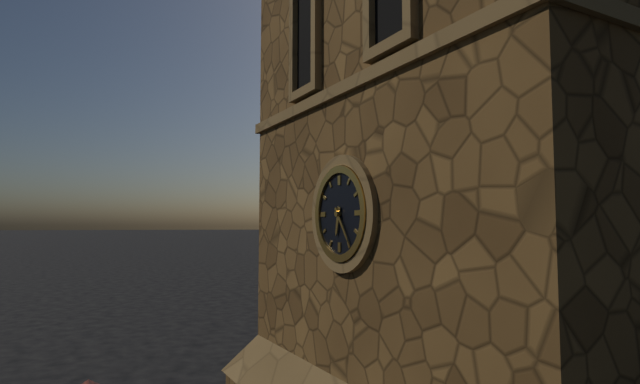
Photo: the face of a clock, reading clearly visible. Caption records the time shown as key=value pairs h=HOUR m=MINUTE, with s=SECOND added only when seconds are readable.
h=6 m=24
